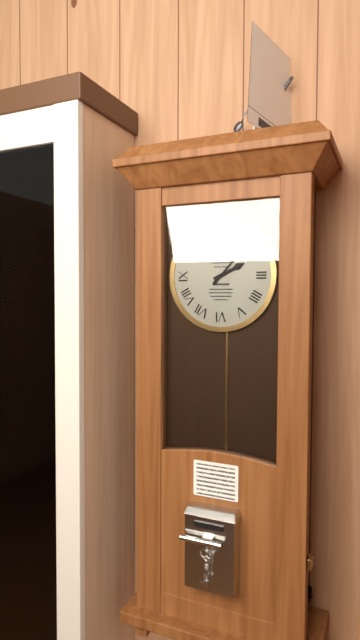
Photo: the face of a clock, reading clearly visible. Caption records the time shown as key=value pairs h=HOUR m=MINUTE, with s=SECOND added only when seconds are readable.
h=2 m=7
